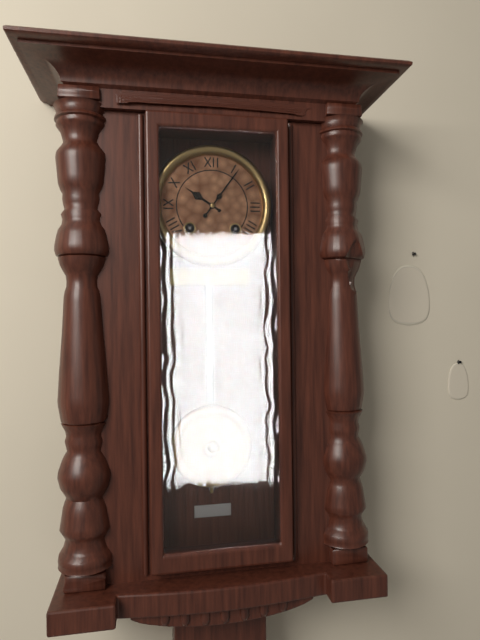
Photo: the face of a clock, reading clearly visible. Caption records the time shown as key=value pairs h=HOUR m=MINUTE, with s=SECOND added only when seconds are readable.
h=10 m=6
